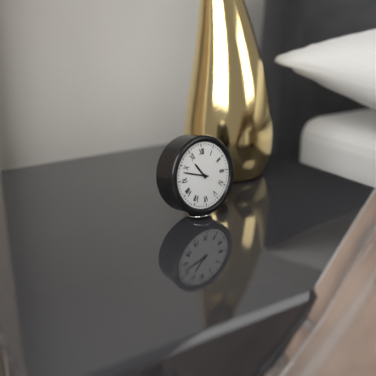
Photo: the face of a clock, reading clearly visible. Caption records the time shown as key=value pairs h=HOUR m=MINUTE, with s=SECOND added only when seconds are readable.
h=10 m=48
